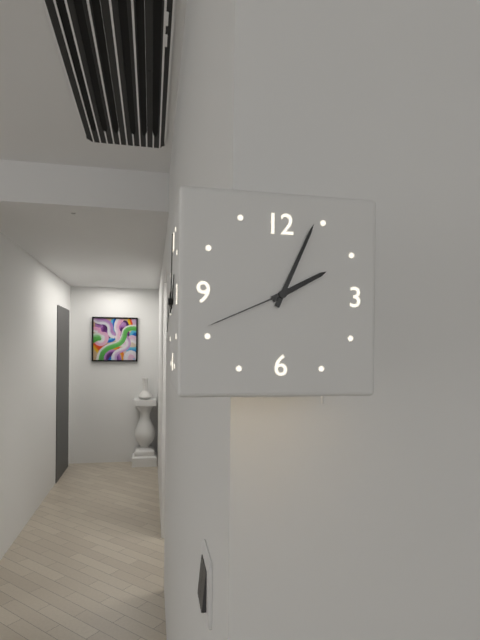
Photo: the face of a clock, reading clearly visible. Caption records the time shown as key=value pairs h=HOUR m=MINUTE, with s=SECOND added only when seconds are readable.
h=2 m=4 s=41
